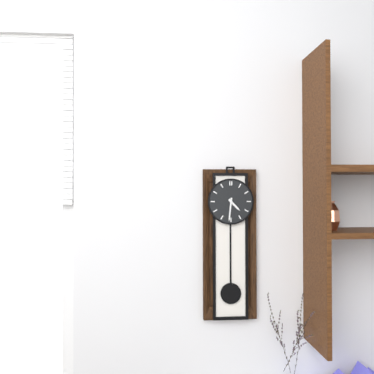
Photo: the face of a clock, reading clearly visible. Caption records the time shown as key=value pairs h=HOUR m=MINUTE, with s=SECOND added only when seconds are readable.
h=4 m=31
